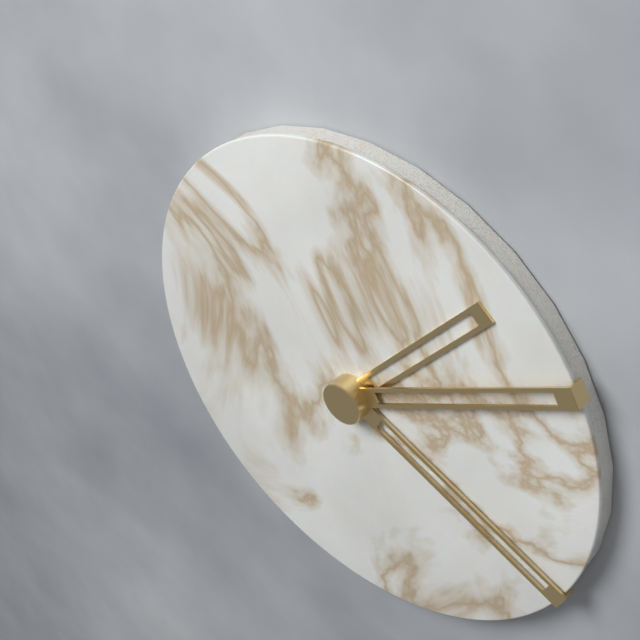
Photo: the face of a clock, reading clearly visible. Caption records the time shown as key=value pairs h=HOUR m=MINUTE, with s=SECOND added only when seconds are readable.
h=1 m=19 s=10
